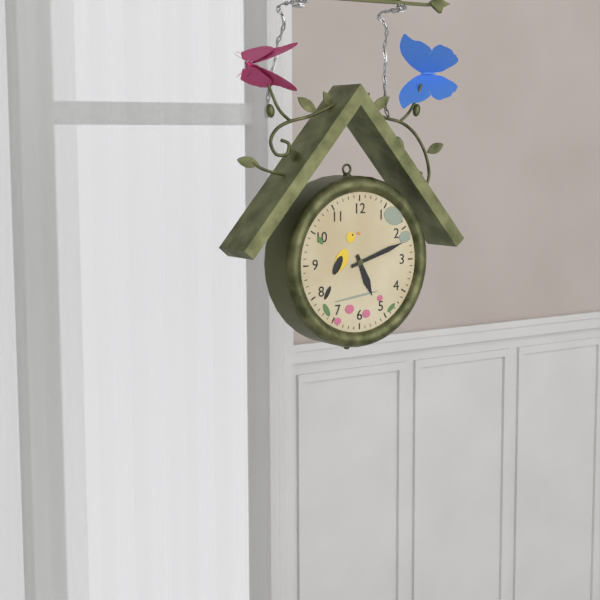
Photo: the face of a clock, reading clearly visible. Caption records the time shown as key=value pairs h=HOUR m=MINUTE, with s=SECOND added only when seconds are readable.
h=5 m=12
